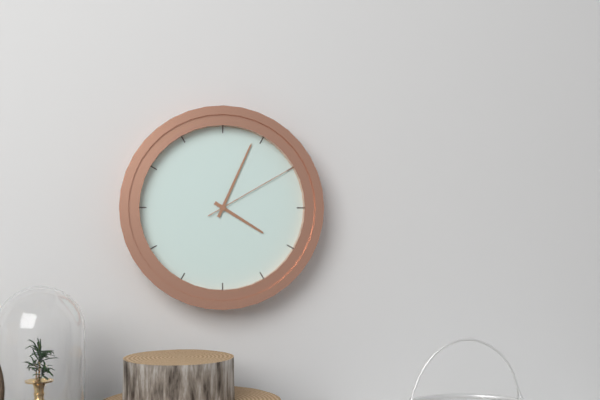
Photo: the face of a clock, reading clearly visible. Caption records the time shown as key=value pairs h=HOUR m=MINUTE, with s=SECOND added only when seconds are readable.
h=4 m=4 s=10
